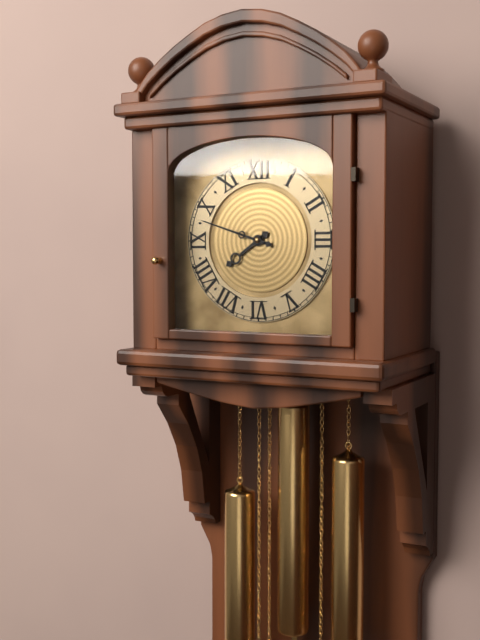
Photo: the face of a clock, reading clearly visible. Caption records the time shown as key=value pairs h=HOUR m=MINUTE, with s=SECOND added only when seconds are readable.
h=7 m=48
